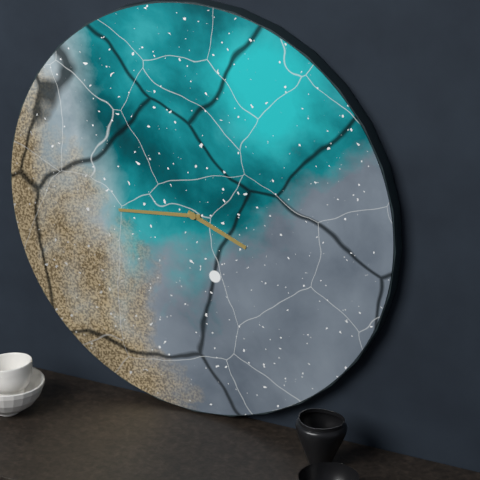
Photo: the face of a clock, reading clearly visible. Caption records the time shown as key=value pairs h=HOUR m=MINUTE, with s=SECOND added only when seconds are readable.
h=3 m=44
